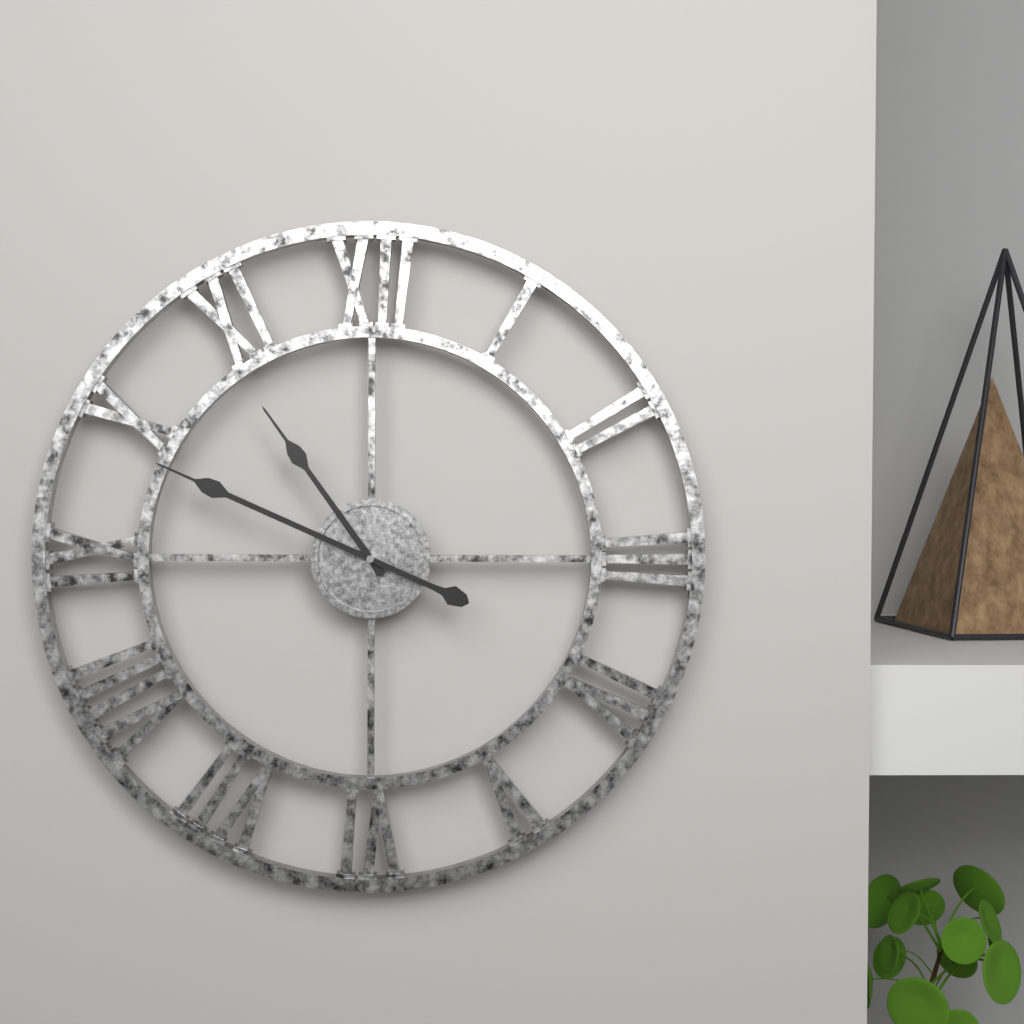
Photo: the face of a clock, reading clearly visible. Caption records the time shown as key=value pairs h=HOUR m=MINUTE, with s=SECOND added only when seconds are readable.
h=10 m=49
